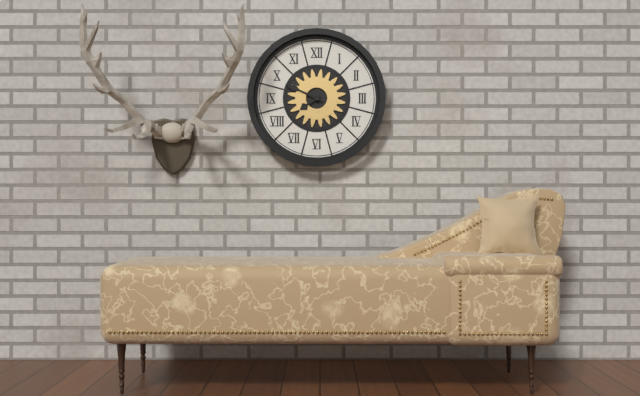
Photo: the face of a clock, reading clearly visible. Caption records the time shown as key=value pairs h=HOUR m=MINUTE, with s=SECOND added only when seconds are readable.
h=7 m=49
